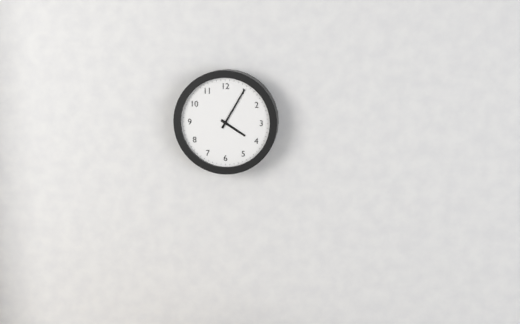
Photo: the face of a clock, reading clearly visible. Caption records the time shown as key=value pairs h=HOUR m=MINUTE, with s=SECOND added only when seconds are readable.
h=4 m=5
